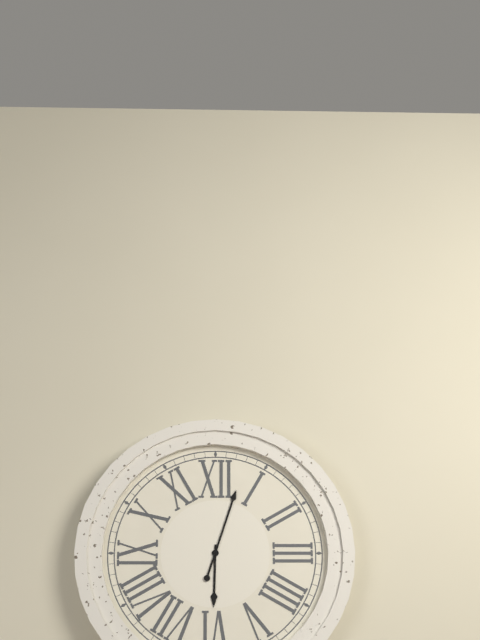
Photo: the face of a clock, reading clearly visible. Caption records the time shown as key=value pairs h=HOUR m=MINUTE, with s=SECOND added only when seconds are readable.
h=6 m=3
